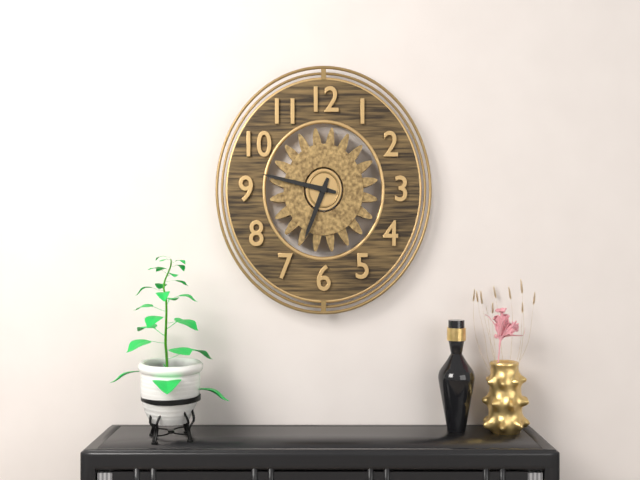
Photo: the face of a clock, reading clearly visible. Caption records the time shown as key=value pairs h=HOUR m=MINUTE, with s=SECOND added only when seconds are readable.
h=6 m=47
